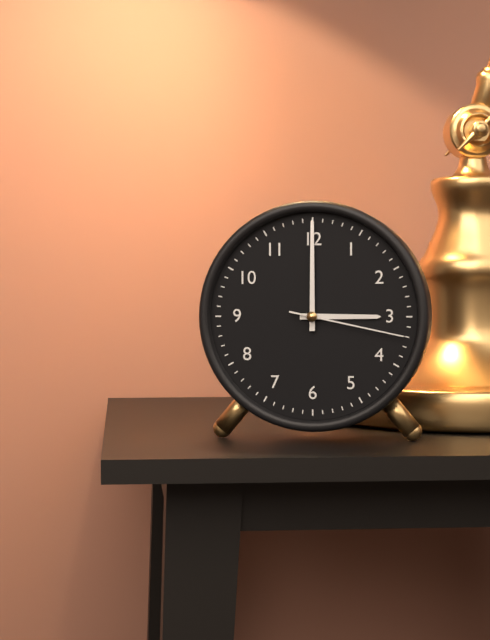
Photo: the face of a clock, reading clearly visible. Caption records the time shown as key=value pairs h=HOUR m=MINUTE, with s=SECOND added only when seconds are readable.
h=3 m=0 s=17
